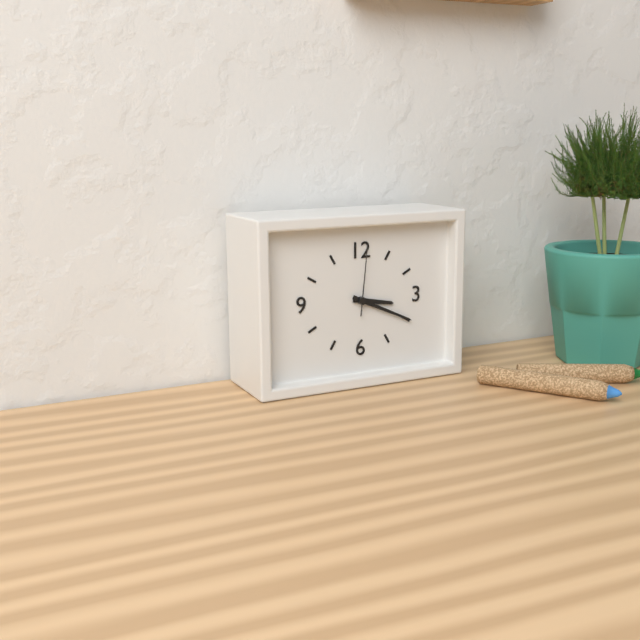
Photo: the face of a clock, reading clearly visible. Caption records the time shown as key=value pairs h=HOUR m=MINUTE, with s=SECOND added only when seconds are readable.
h=3 m=19 s=1
